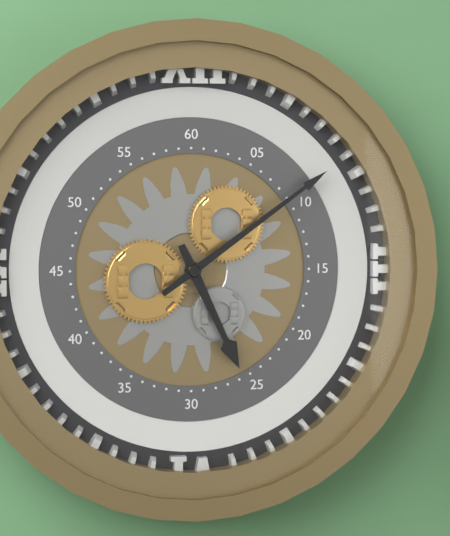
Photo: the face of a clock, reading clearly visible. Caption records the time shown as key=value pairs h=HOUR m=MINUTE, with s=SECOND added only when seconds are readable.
h=5 m=9
